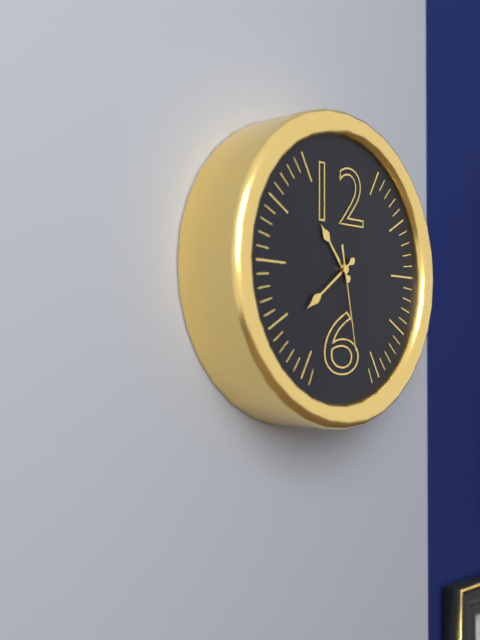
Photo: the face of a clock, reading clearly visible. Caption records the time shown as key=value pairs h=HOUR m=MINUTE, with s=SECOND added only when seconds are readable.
h=10 m=39 s=28
